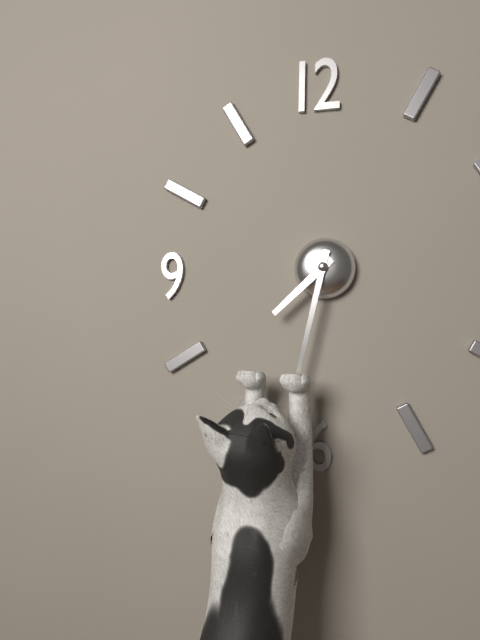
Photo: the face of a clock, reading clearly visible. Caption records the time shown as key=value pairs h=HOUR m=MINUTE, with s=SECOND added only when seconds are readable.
h=7 m=32
